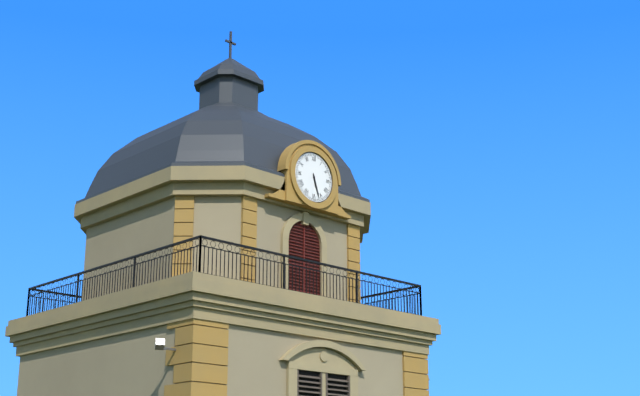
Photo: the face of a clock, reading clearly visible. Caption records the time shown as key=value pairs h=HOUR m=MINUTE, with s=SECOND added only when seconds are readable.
h=5 m=27
